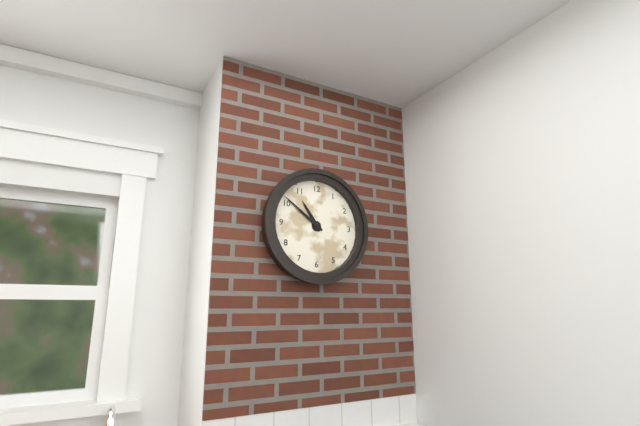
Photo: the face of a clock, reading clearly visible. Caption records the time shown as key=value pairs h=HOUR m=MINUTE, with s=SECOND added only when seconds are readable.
h=10 m=51
